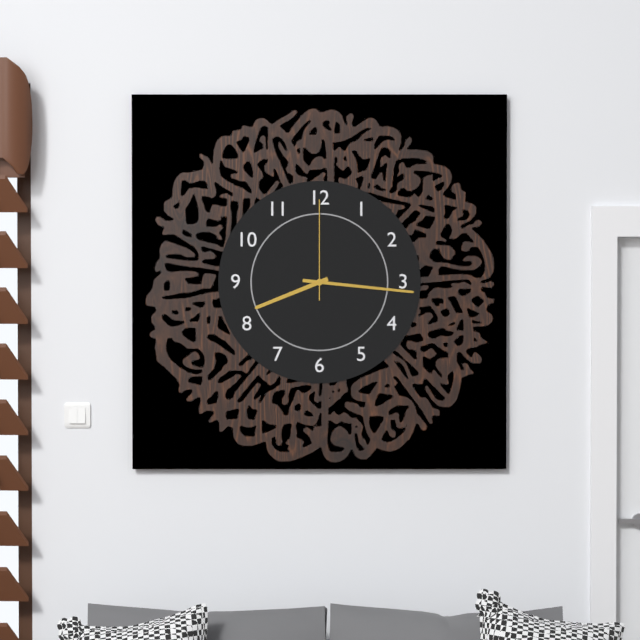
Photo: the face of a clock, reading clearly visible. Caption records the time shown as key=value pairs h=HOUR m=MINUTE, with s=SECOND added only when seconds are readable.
h=8 m=16 s=0
